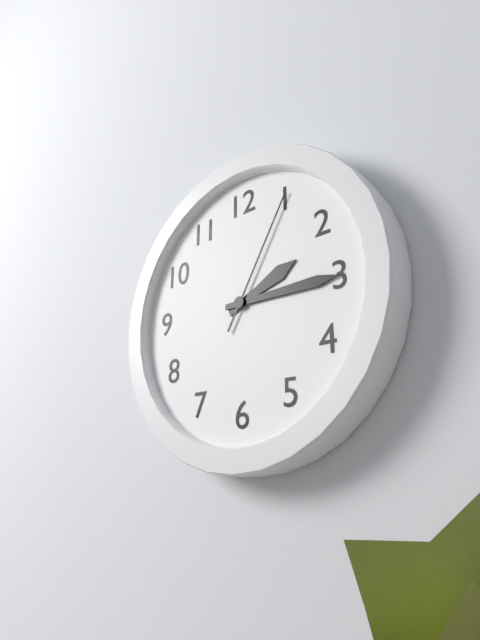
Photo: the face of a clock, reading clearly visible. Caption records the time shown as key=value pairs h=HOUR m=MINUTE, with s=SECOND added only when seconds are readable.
h=2 m=15 s=5
